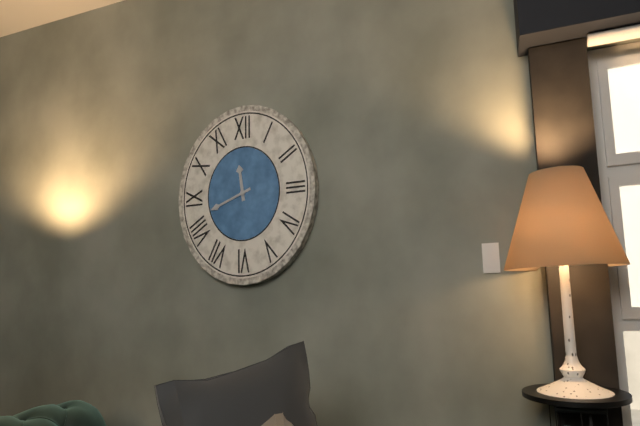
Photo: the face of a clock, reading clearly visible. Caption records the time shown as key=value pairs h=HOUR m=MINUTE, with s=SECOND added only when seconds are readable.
h=11 m=42
